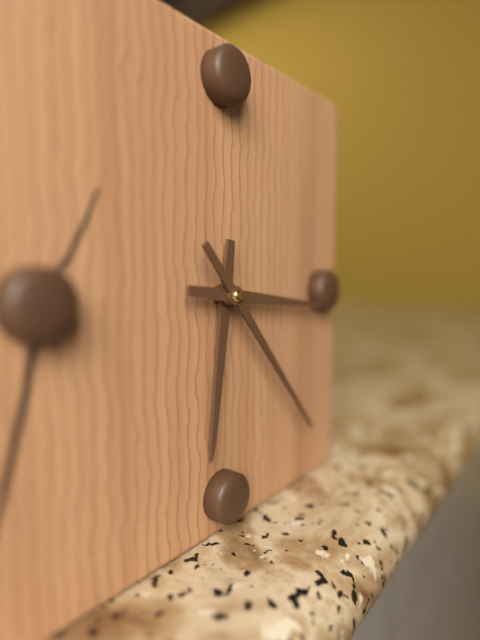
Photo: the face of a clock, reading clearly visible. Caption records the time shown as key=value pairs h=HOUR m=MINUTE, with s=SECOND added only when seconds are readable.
h=6 m=16 s=23
